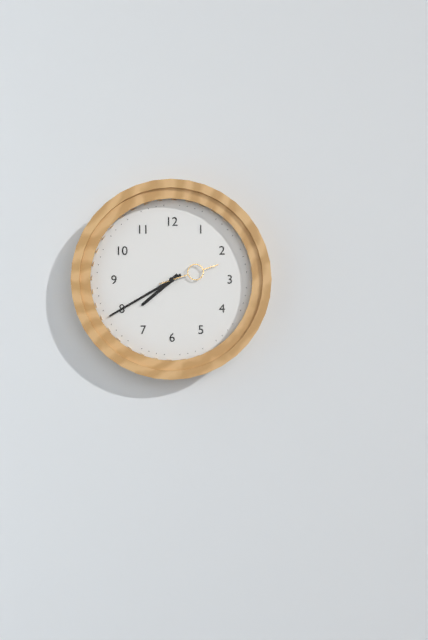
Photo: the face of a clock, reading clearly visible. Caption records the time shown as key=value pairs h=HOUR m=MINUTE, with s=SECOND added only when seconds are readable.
h=7 m=40 s=12
